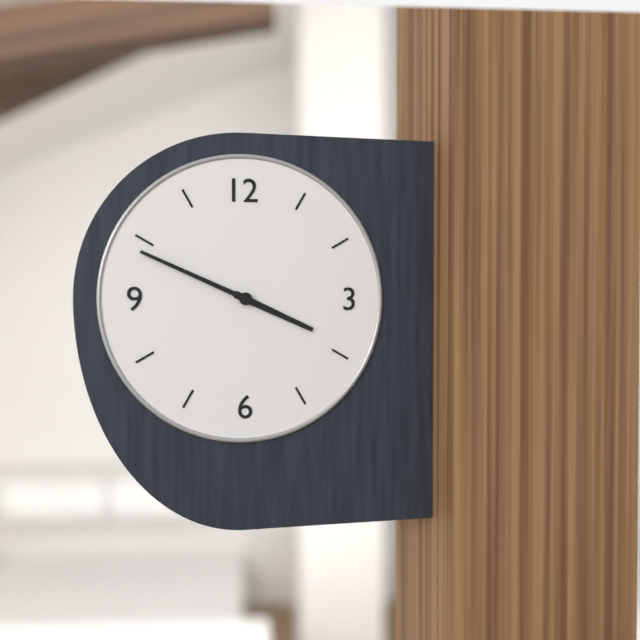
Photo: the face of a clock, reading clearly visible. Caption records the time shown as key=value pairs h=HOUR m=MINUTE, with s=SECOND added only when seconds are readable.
h=3 m=49
